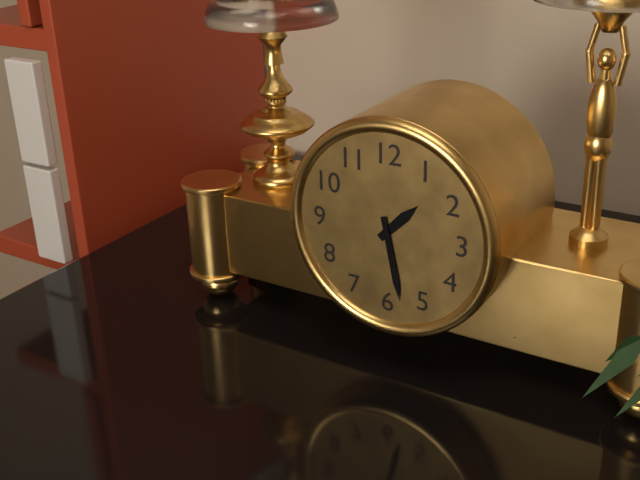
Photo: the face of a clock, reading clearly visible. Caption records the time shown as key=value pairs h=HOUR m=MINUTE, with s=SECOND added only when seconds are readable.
h=1 m=28
